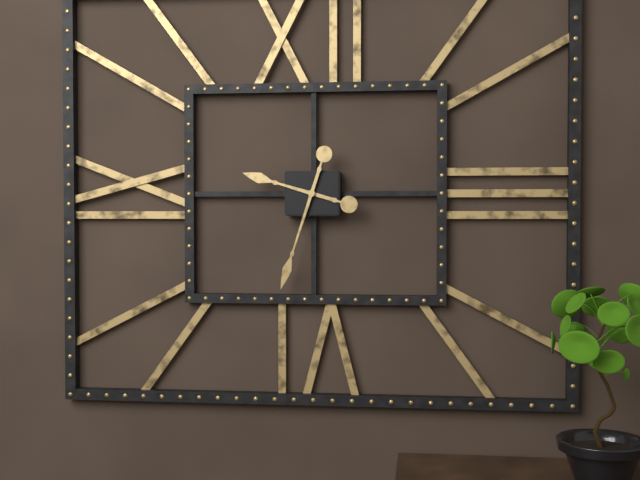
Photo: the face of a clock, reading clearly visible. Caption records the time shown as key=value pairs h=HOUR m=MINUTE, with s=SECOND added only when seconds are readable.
h=9 m=33
